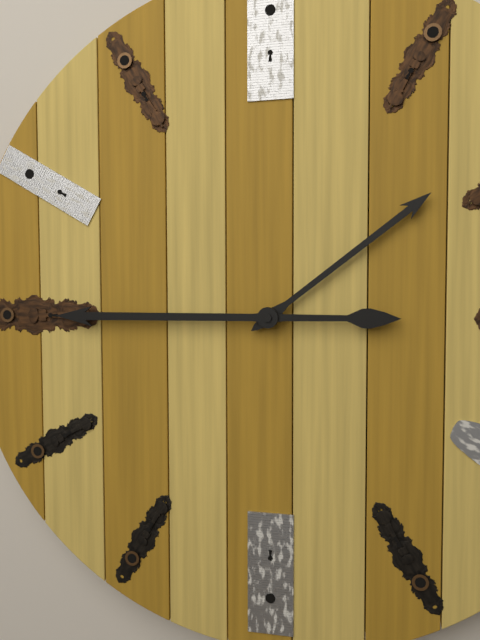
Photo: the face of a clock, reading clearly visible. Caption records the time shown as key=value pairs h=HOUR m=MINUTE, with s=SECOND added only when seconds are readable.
h=1 m=45
